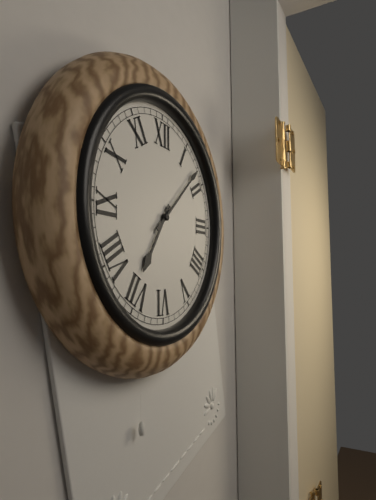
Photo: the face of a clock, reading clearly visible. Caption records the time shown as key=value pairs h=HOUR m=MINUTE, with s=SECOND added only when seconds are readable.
h=7 m=8
